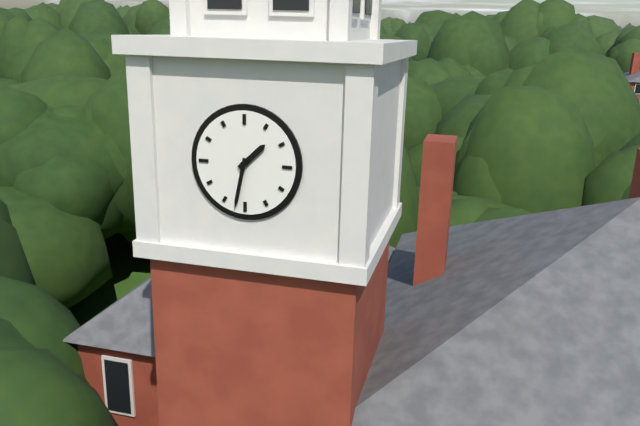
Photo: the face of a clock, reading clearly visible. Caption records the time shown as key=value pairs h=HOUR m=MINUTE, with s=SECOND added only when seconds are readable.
h=1 m=32
